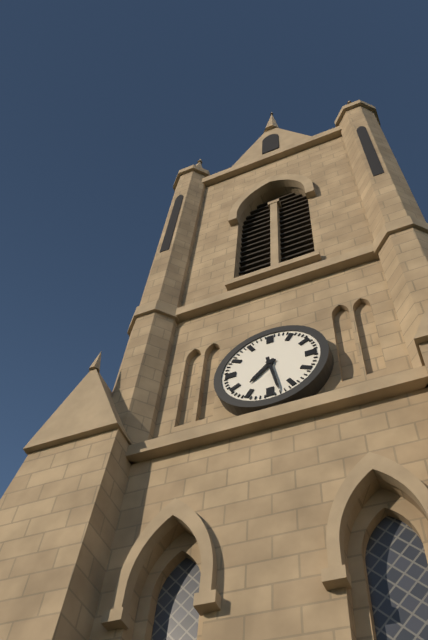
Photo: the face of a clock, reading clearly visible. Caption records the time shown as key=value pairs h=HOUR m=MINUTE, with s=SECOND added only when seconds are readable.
h=7 m=28
